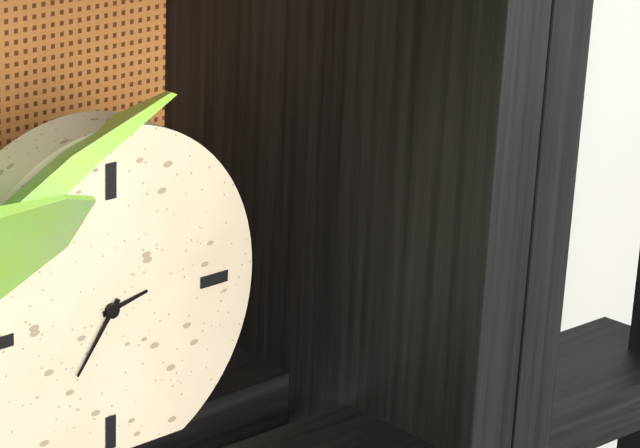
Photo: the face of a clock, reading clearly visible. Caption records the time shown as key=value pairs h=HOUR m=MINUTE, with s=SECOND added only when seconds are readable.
h=2 m=36
